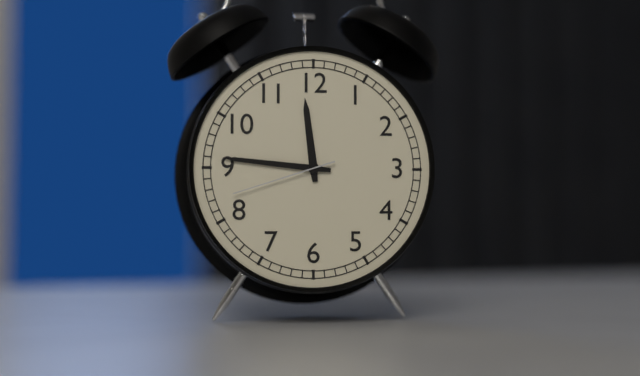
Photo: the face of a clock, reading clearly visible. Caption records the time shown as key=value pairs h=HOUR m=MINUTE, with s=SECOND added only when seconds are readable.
h=11 m=46 s=42
